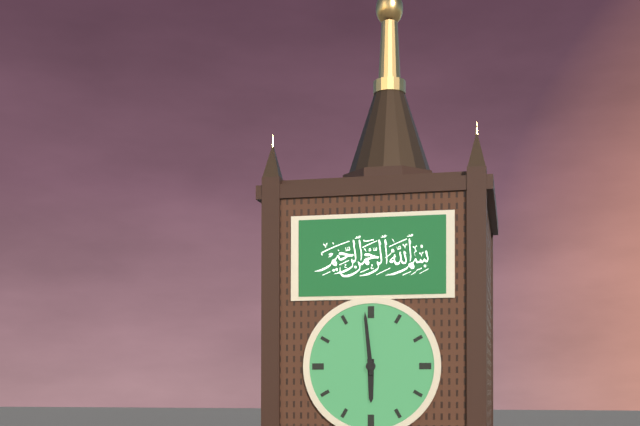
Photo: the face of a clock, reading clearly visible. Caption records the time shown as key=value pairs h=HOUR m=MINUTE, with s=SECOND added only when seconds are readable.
h=5 m=59
